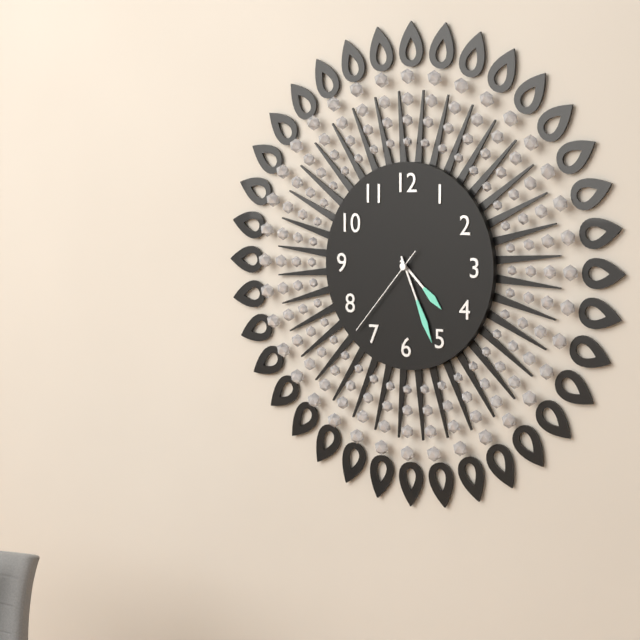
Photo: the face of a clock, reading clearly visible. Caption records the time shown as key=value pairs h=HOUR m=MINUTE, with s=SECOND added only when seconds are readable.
h=4 m=26 s=37
